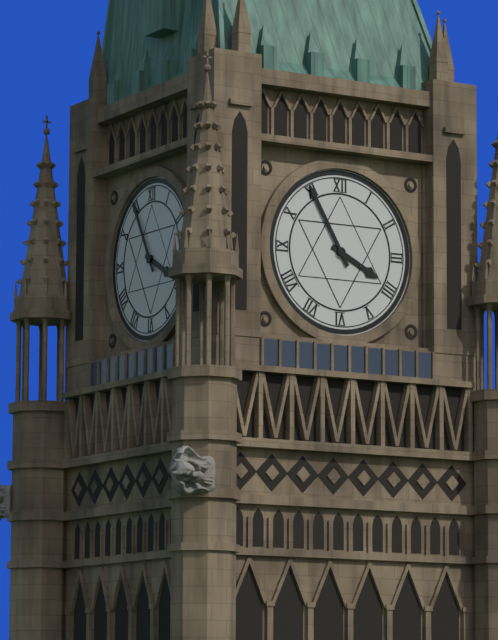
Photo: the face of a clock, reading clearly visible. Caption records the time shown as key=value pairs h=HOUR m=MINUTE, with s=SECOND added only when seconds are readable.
h=3 m=55
